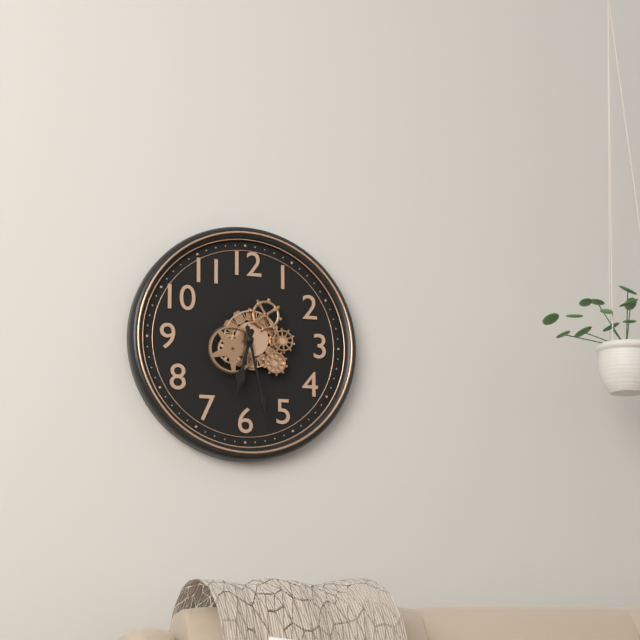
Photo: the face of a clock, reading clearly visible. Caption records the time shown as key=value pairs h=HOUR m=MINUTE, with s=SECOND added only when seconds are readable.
h=6 m=28
